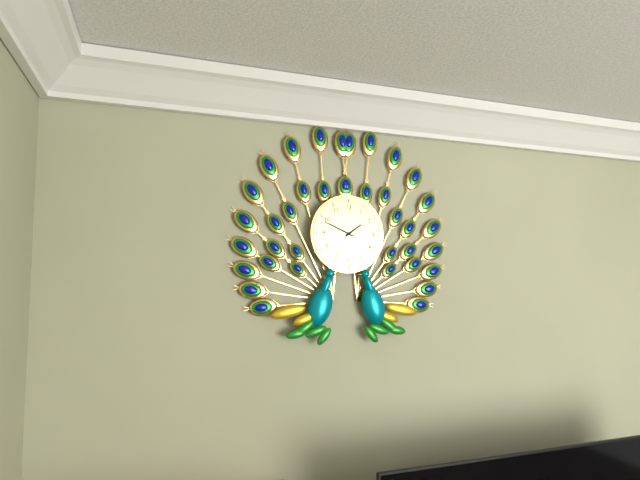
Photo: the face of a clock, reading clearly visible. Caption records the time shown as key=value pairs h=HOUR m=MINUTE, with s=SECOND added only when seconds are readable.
h=1 m=49
